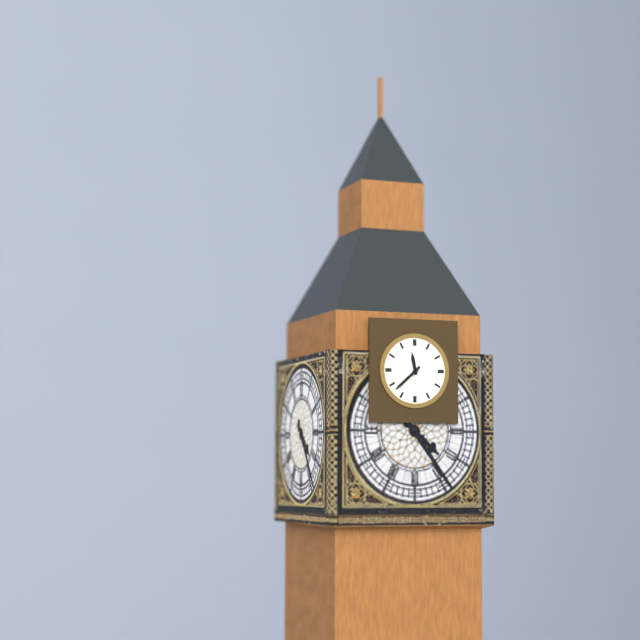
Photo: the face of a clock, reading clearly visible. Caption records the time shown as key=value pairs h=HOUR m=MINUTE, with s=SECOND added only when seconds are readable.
h=11 m=38
